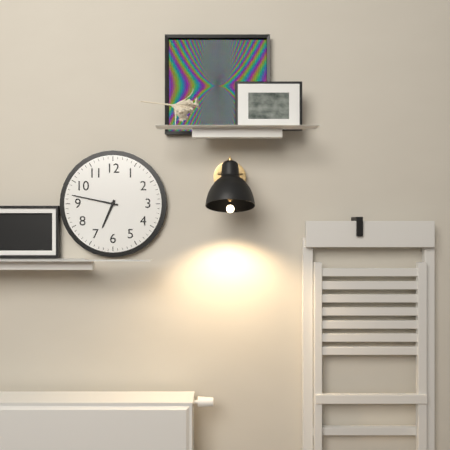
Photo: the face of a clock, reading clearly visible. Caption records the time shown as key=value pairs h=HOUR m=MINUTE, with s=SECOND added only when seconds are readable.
h=6 m=47
